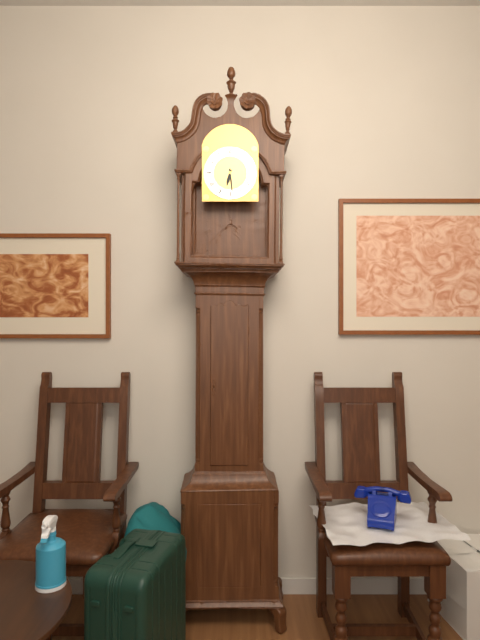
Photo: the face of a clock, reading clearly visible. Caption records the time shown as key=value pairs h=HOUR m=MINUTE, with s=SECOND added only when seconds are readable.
h=6 m=29
